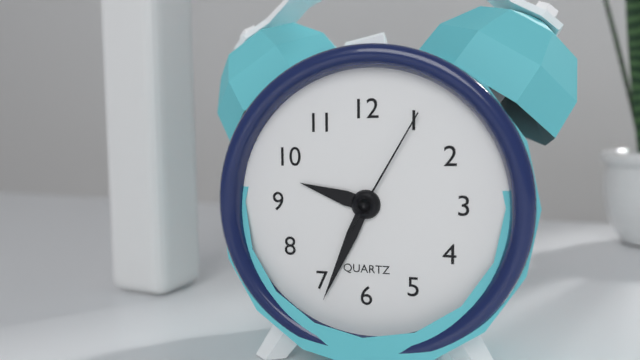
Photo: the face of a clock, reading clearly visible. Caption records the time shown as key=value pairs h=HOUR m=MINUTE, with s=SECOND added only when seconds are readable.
h=9 m=34 s=5
